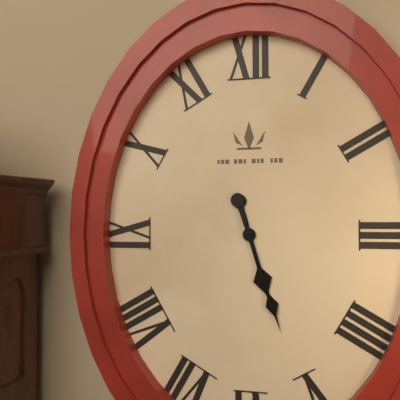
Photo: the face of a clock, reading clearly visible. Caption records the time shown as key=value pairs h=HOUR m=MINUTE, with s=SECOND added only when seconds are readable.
h=5 m=27
